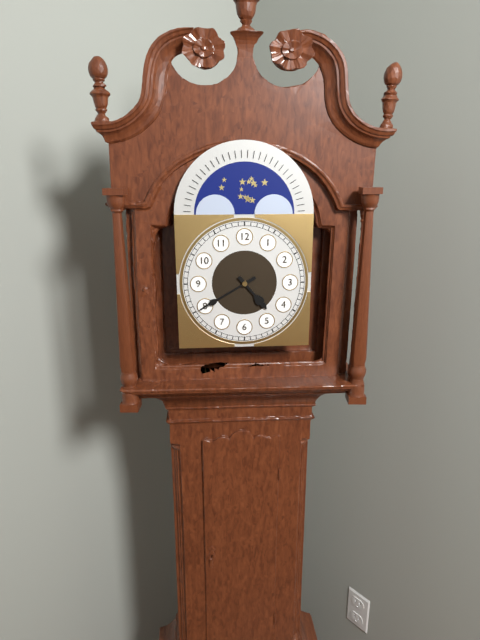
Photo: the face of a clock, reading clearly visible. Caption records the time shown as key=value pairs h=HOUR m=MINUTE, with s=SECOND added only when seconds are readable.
h=4 m=40
